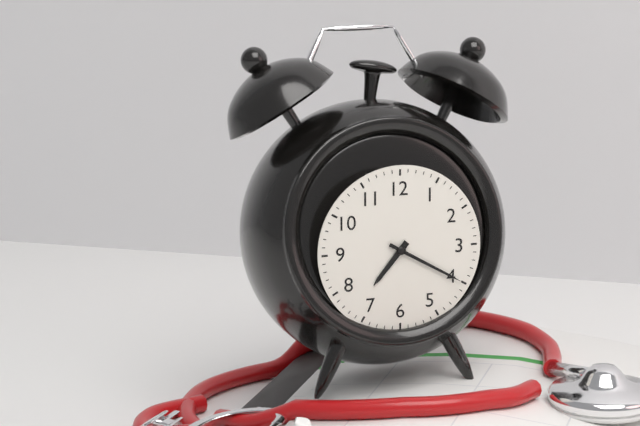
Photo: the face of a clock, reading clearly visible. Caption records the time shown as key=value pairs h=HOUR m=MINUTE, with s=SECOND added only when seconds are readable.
h=7 m=20
